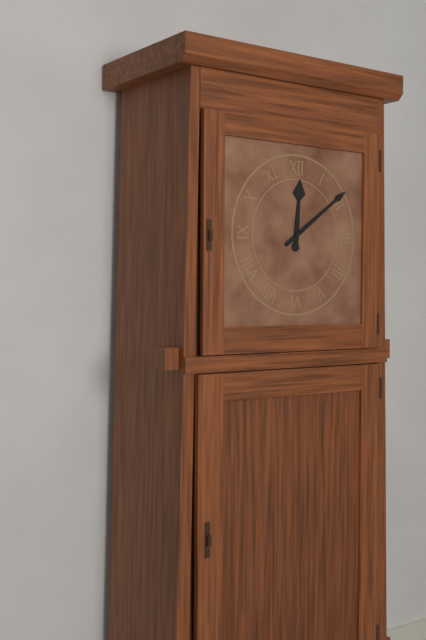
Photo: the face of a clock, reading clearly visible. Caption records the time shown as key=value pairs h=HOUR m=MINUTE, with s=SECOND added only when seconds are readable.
h=12 m=9
